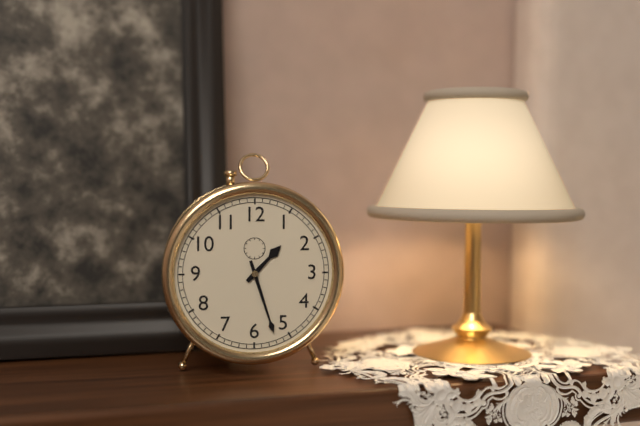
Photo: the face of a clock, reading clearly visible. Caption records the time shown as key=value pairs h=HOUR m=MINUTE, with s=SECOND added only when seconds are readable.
h=1 m=27
